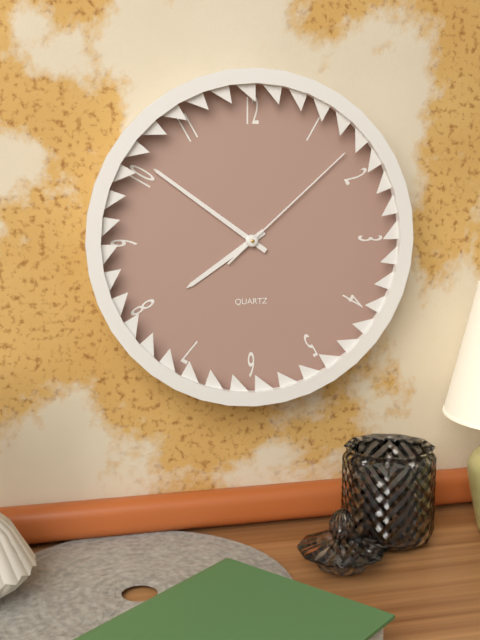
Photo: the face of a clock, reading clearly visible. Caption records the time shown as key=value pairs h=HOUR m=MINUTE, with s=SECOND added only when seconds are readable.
h=7 m=51 s=8
